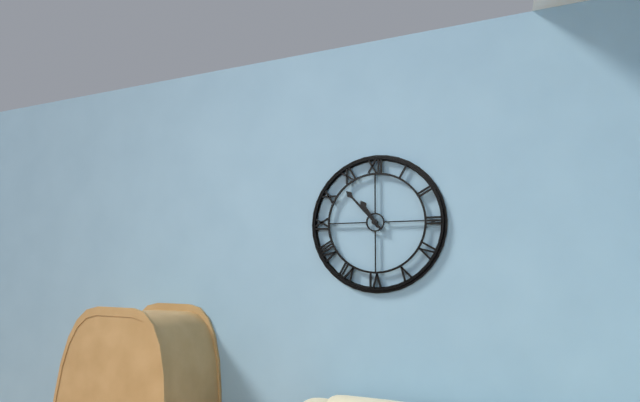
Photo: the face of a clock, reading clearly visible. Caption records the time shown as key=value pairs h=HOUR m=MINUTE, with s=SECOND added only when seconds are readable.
h=10 m=53
